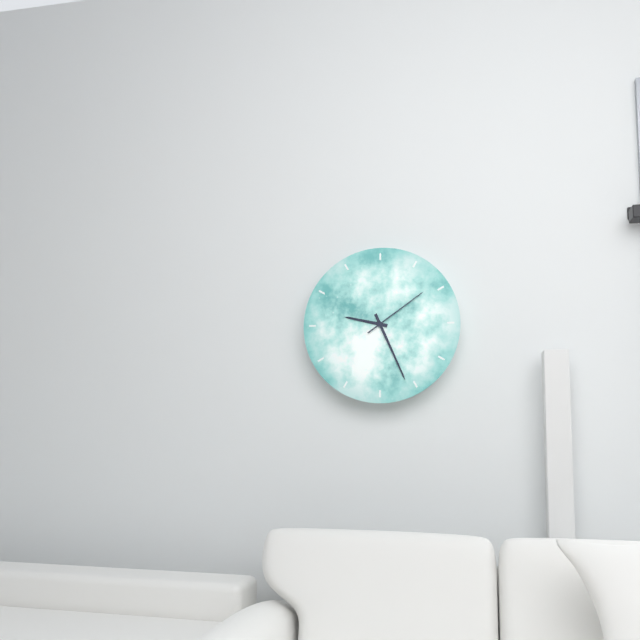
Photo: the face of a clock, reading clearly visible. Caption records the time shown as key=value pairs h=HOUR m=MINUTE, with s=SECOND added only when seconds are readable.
h=9 m=26 s=9
